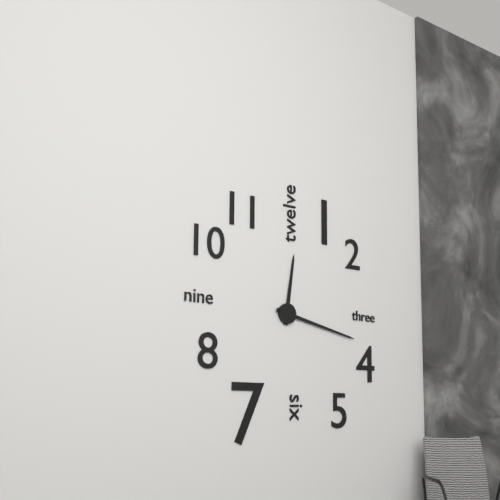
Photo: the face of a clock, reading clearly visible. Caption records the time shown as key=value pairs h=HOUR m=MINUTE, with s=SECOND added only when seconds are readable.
h=12 m=17
